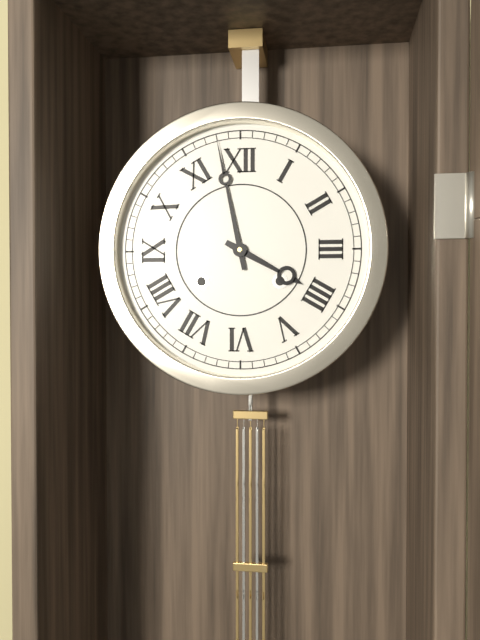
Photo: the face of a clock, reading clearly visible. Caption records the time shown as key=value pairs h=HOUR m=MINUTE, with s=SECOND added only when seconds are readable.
h=3 m=58
